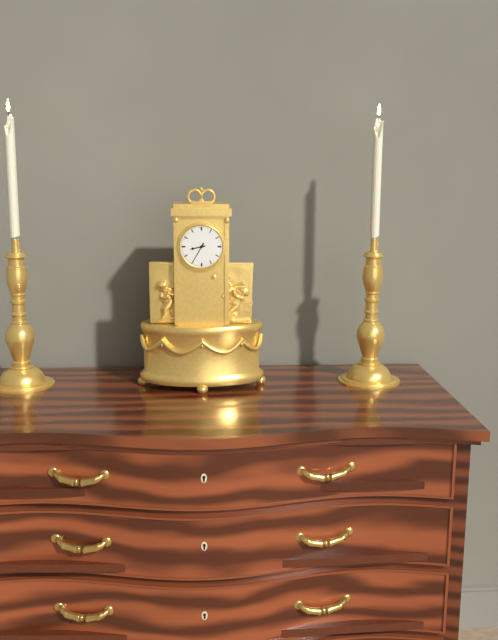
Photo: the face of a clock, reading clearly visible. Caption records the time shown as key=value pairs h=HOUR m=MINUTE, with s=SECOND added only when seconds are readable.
h=8 m=35
